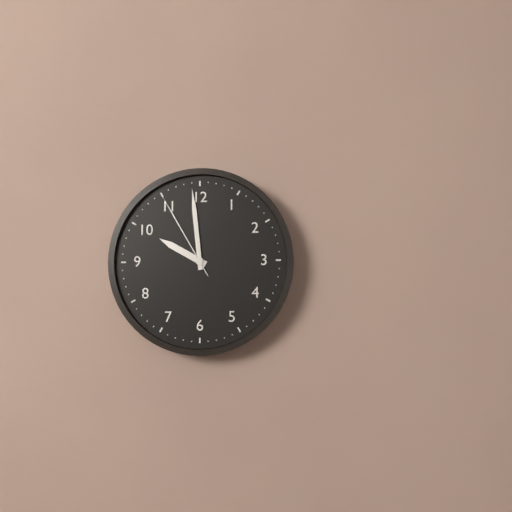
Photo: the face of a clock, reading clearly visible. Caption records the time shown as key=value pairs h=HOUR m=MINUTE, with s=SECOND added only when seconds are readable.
h=9 m=59 s=55
